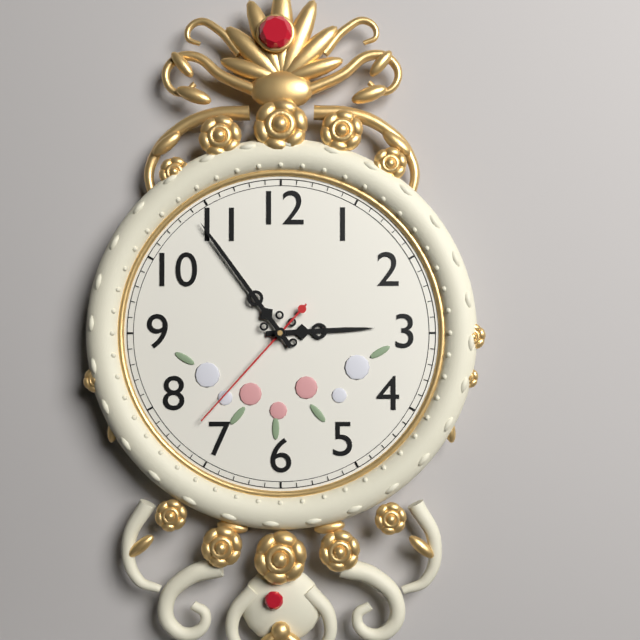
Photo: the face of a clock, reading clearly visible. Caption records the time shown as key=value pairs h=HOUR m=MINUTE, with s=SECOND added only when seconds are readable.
h=2 m=54 s=37
